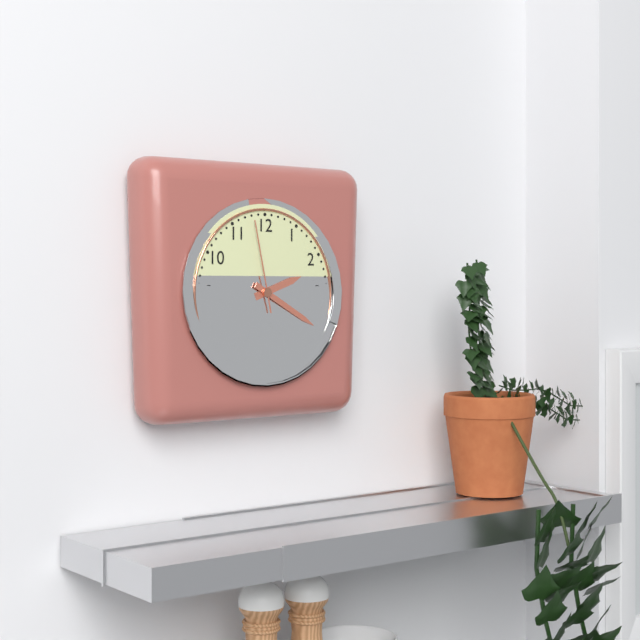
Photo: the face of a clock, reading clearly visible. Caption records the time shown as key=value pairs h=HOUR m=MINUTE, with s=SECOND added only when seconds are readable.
h=2 m=20 s=58
